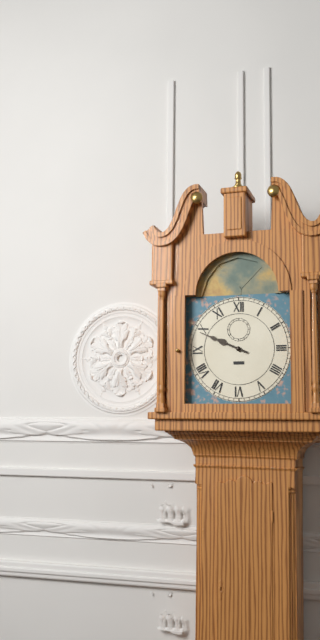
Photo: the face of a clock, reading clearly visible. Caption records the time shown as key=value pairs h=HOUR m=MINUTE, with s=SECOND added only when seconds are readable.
h=9 m=49
